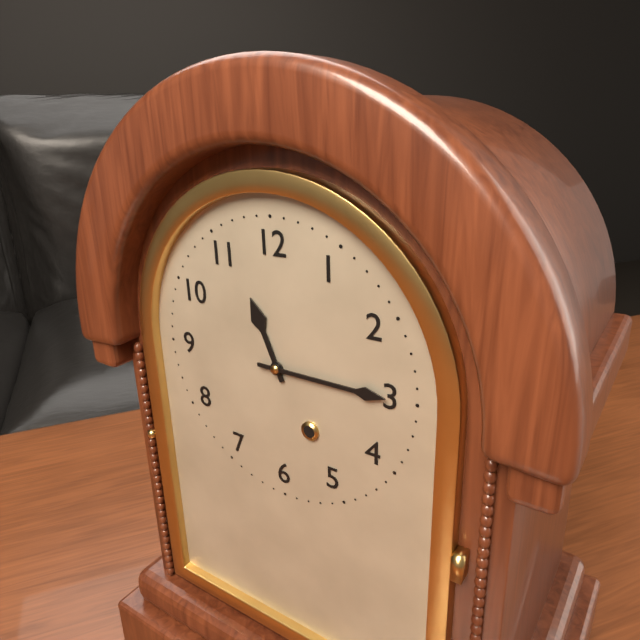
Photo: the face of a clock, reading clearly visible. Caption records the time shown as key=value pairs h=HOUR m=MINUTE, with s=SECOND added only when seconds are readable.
h=11 m=15
